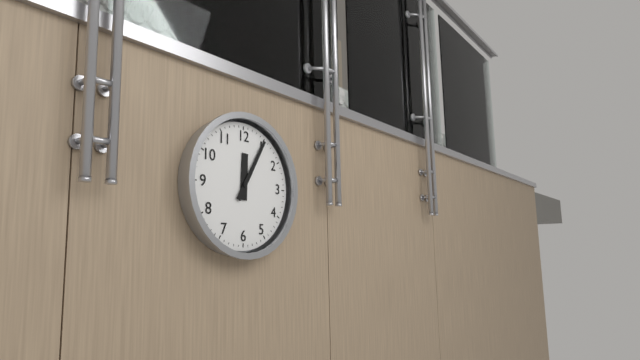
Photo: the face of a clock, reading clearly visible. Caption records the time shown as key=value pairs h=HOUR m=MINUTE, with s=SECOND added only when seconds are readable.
h=12 m=5
